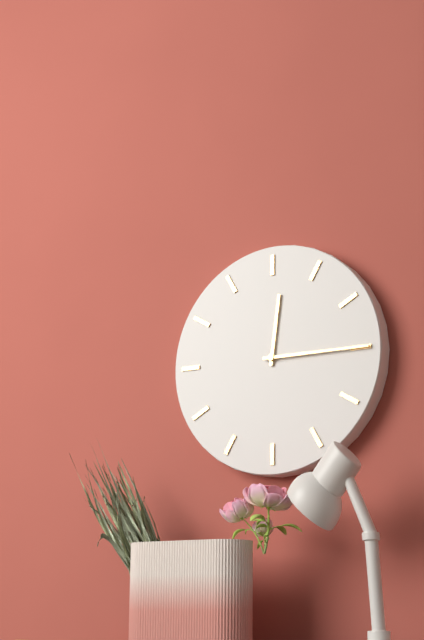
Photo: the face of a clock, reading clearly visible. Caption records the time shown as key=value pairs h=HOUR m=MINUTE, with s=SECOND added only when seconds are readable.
h=12 m=15
